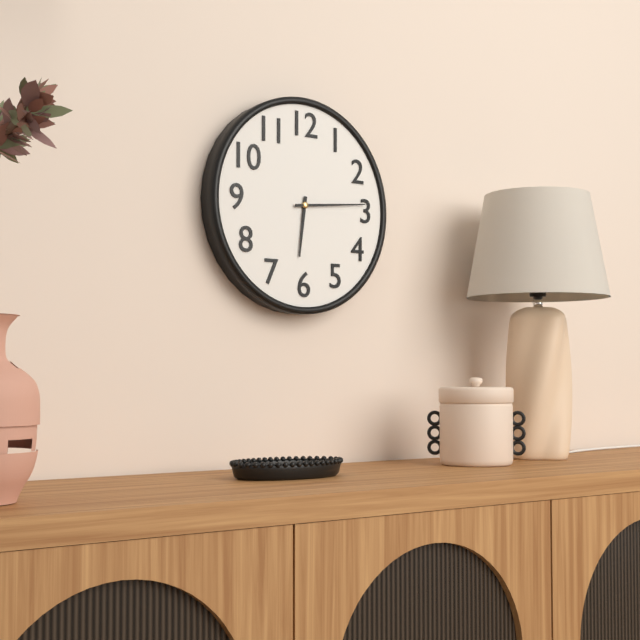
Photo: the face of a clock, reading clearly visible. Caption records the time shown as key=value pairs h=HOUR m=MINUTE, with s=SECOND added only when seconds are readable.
h=6 m=14
